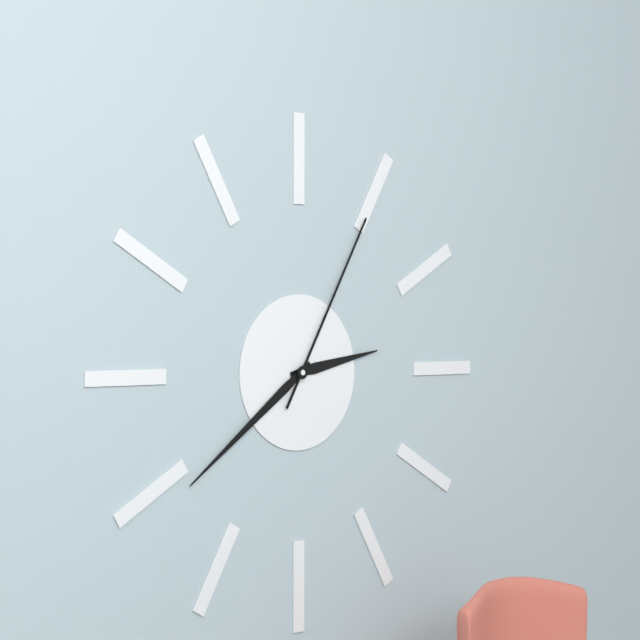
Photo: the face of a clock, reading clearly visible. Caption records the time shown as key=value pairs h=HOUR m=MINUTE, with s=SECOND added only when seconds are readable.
h=2 m=39 s=5
